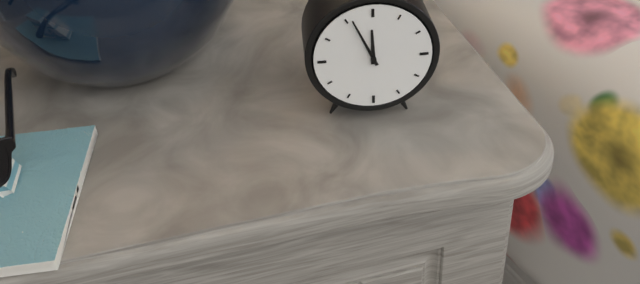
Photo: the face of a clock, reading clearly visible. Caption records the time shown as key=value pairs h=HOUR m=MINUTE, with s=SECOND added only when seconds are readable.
h=11 m=56
